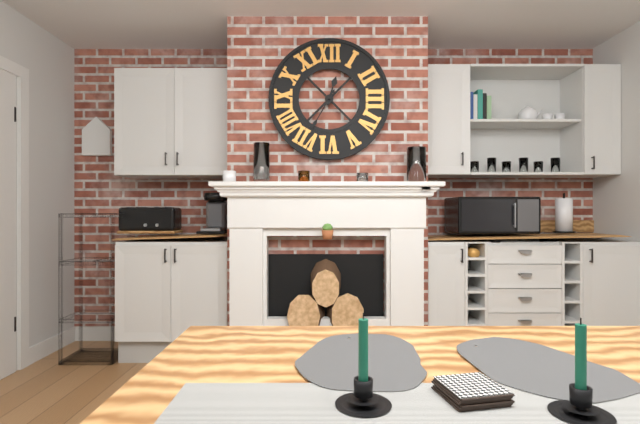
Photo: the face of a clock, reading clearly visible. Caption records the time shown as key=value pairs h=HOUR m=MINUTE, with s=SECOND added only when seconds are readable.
h=12 m=35
